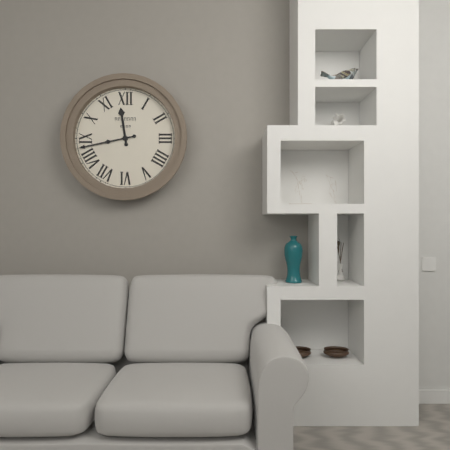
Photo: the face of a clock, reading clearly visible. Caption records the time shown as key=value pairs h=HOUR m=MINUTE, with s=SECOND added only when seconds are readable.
h=11 m=43
